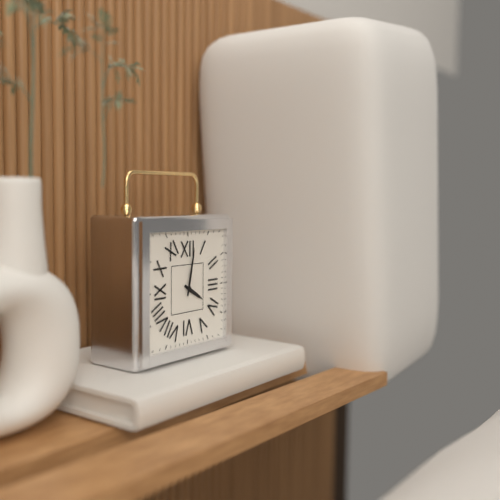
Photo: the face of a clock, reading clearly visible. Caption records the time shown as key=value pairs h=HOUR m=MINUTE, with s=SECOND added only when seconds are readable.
h=4 m=2
